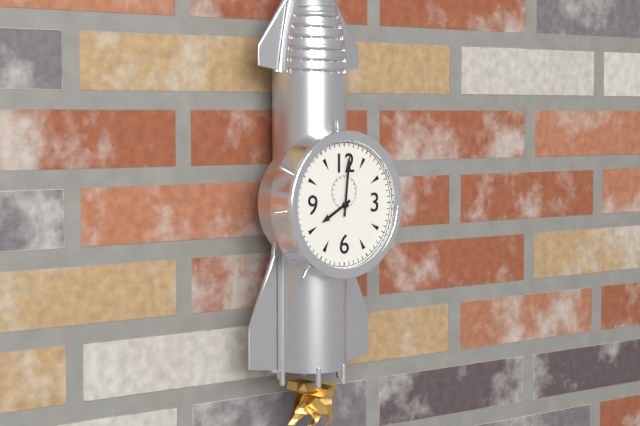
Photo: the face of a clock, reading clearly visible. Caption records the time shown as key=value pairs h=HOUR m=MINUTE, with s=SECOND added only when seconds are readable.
h=8 m=1
